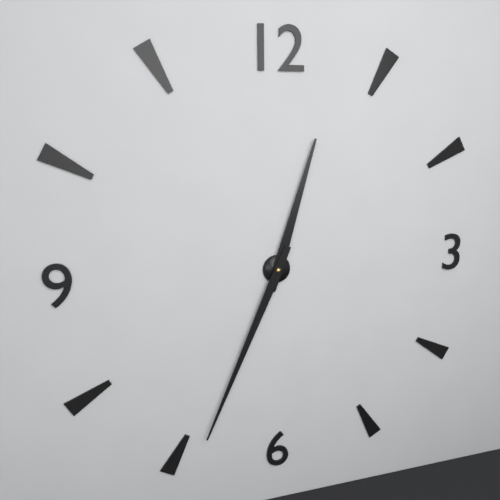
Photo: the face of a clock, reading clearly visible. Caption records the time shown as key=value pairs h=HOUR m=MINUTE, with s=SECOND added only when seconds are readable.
h=12 m=34
